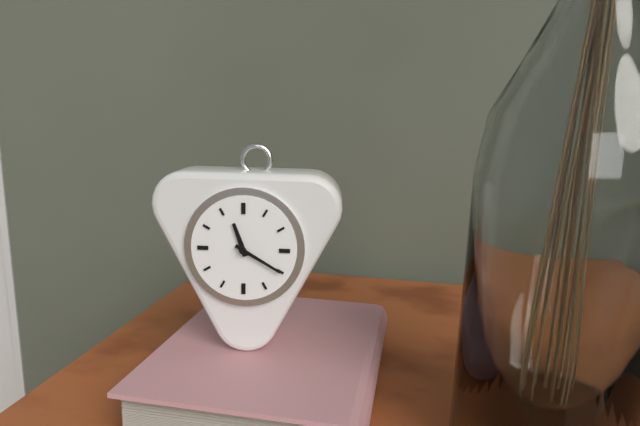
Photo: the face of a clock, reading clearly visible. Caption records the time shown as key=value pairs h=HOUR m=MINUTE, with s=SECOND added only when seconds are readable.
h=11 m=20
